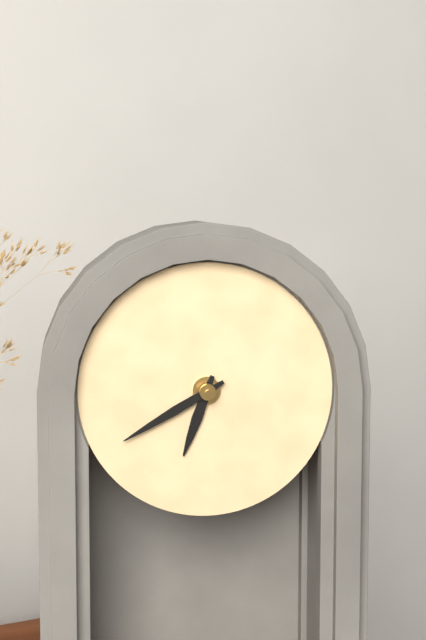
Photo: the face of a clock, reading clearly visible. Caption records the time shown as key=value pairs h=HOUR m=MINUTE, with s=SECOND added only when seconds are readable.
h=6 m=40
